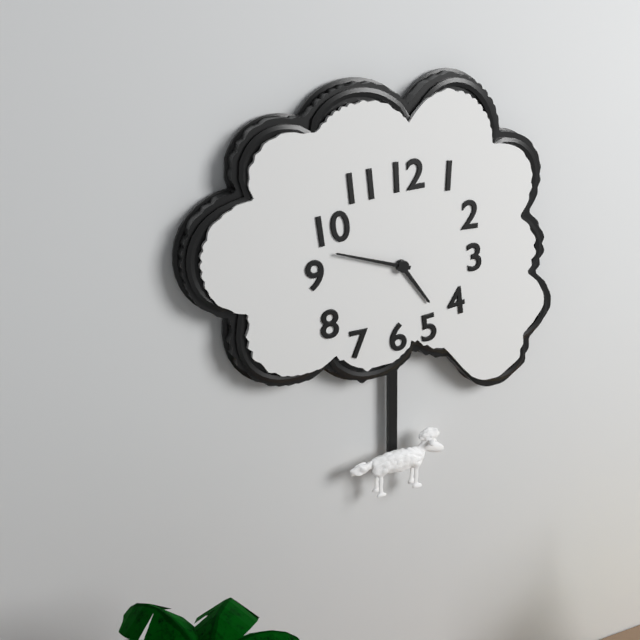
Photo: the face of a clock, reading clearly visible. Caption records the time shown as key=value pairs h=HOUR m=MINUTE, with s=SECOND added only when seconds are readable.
h=4 m=48
